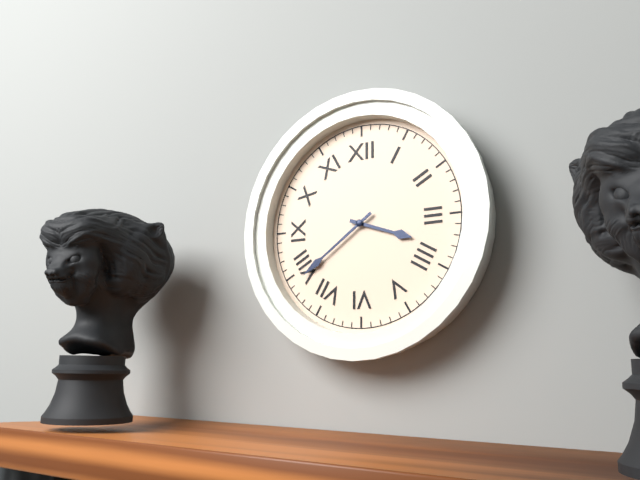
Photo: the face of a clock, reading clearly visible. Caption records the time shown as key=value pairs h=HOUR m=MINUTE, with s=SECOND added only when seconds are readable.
h=3 m=39
